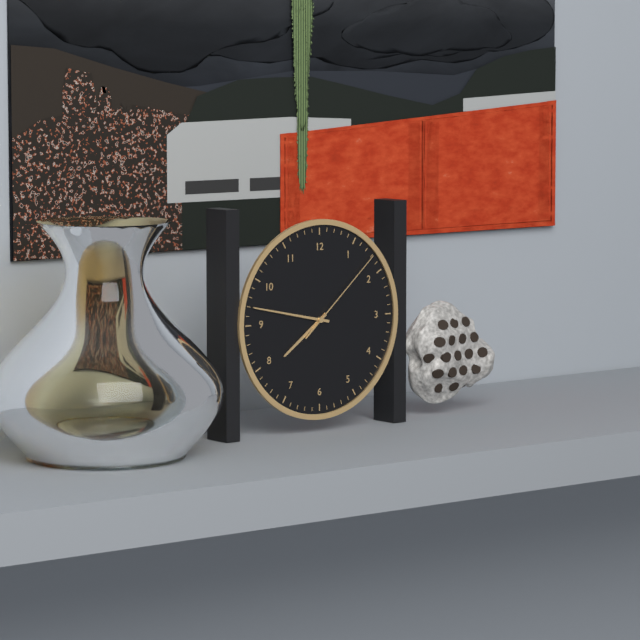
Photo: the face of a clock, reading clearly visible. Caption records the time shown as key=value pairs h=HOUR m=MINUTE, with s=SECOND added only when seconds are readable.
h=7 m=47 s=8
